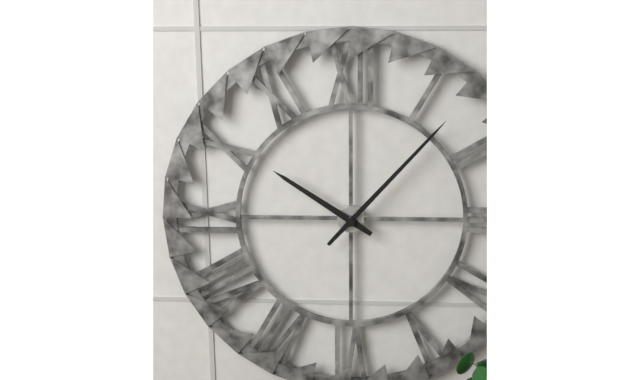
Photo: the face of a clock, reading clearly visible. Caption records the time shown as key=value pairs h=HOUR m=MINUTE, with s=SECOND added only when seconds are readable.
h=10 m=7
